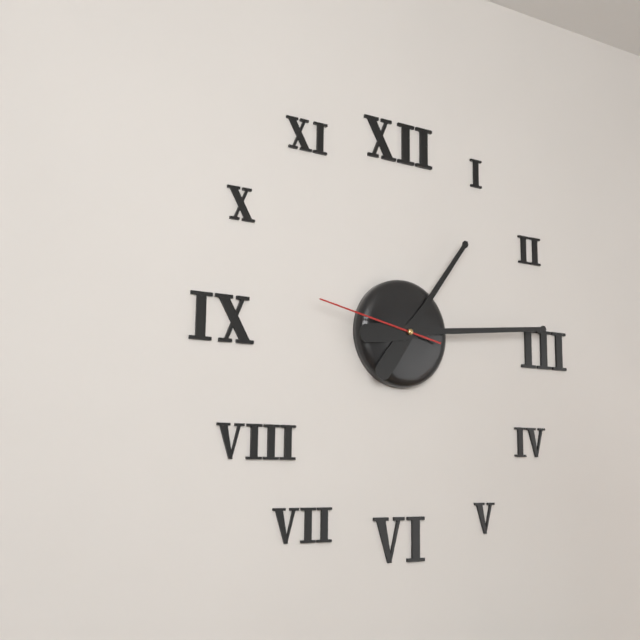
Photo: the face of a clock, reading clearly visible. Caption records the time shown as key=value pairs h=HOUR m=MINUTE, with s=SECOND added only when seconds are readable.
h=1 m=14 s=47
